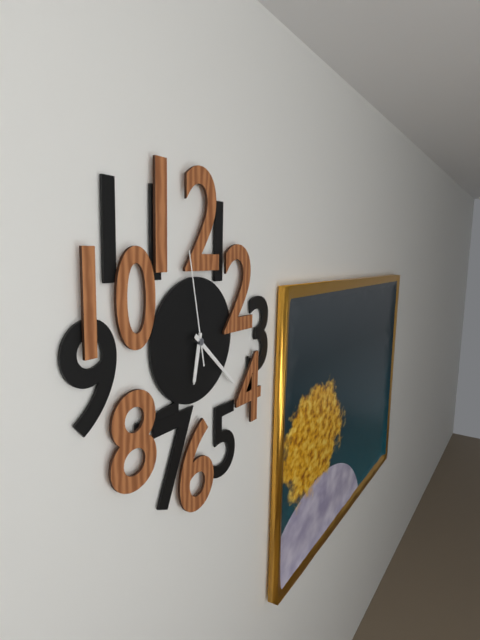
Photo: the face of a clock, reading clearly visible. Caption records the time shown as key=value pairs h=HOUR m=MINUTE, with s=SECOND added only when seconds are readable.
h=6 m=22 s=58
